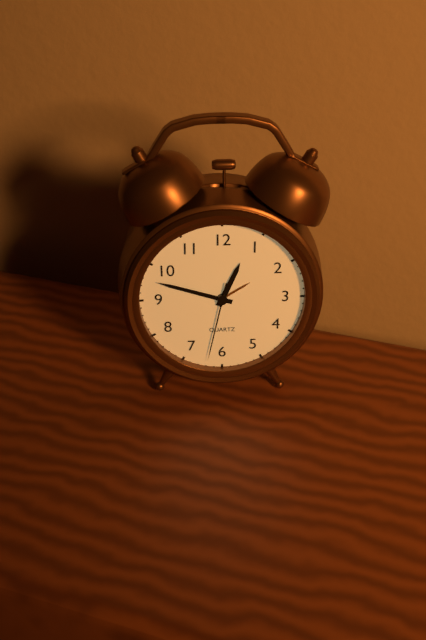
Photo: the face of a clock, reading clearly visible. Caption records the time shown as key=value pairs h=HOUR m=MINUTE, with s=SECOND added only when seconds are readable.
h=12 m=48 s=32
